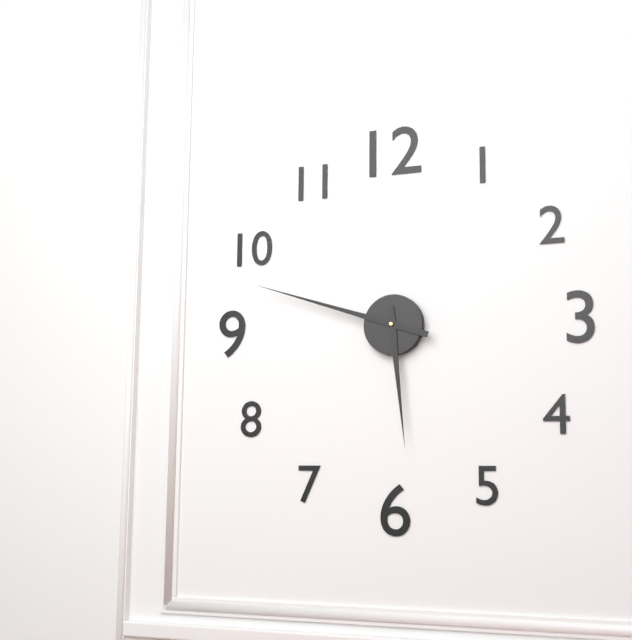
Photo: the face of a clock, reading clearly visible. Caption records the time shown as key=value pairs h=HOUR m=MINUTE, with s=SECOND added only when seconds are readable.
h=5 m=48
